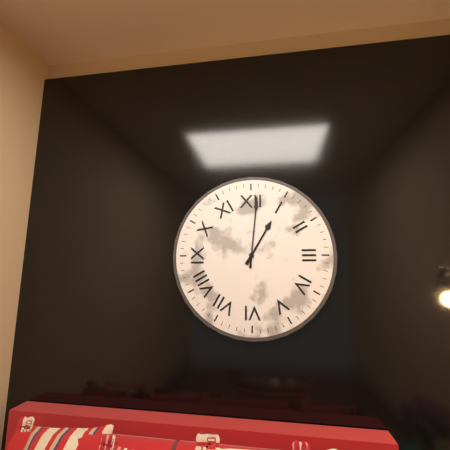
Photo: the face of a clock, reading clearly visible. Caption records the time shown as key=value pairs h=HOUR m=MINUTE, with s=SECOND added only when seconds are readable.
h=1 m=1
